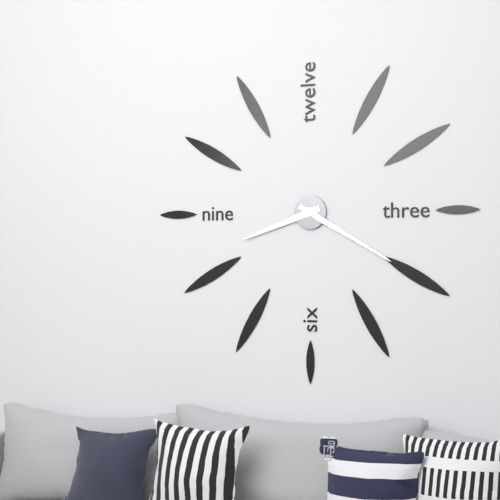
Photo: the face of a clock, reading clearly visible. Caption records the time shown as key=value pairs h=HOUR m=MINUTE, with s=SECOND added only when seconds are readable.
h=8 m=20
